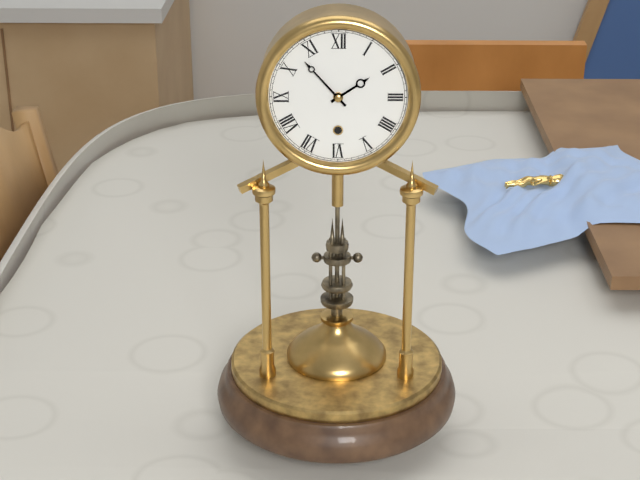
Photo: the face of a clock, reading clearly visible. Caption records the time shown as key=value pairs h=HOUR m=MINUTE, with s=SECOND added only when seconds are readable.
h=1 m=53
